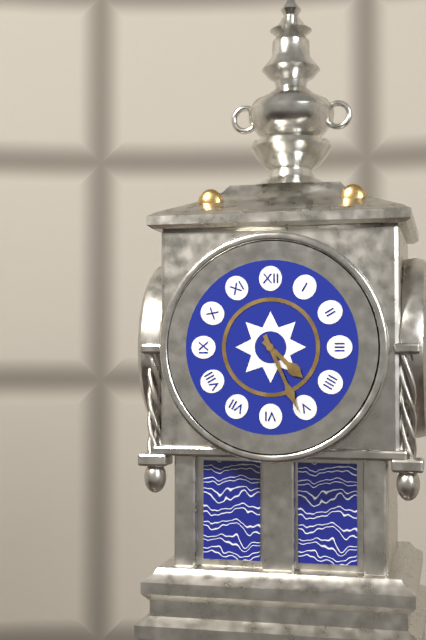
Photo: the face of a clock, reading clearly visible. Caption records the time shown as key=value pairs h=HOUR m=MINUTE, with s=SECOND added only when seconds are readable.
h=4 m=26
